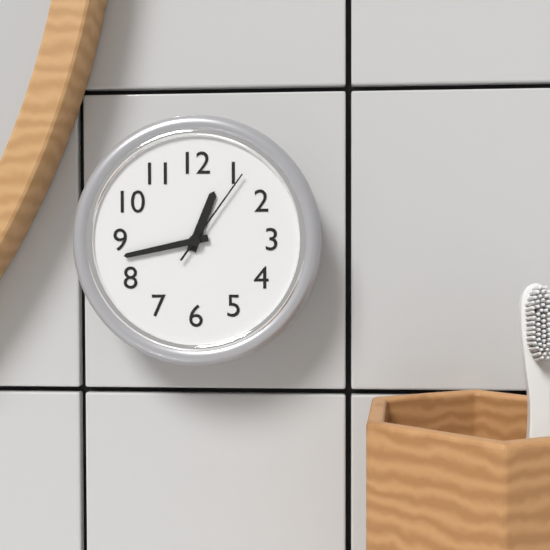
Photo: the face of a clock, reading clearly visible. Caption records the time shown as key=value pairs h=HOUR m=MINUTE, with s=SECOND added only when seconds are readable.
h=12 m=43 s=6
